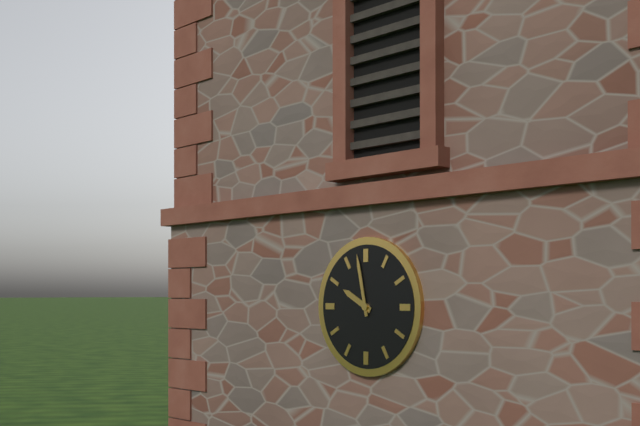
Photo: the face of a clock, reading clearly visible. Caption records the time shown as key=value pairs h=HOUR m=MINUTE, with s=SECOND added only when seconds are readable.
h=9 m=58
